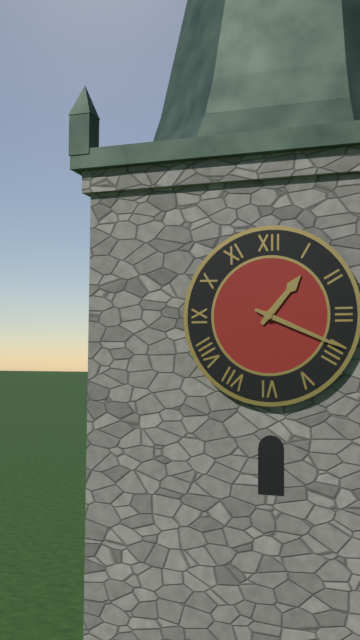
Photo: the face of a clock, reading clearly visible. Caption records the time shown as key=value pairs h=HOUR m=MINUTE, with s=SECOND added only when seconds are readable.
h=1 m=19
